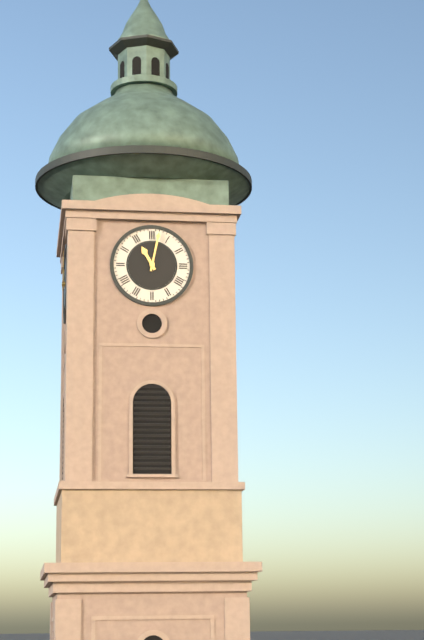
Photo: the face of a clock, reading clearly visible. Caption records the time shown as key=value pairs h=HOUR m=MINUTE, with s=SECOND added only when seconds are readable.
h=11 m=2
